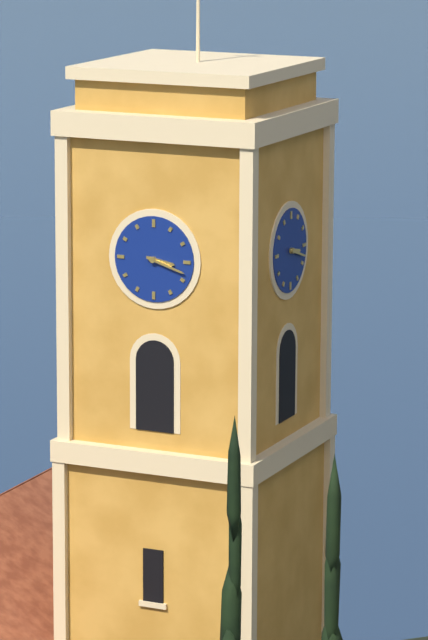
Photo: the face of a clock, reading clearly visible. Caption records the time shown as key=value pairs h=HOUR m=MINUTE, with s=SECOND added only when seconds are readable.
h=3 m=18
